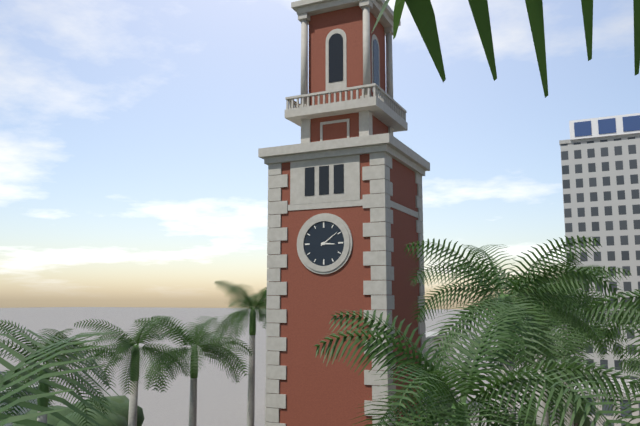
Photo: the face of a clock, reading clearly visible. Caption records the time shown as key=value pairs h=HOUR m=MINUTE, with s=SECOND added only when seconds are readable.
h=3 m=9
